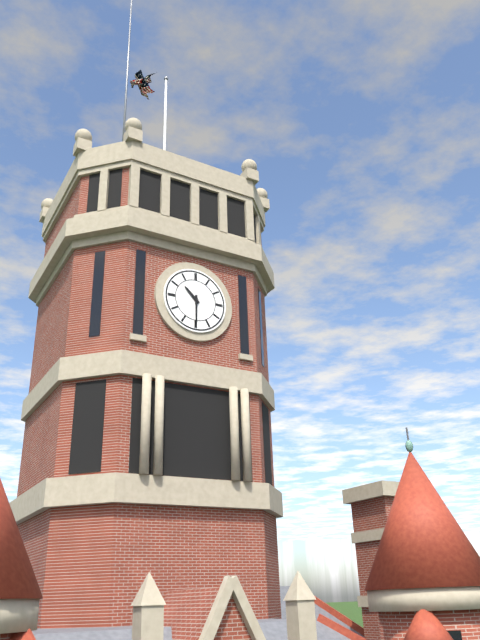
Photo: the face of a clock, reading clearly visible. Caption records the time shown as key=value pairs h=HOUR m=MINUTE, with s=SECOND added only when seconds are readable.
h=10 m=30
